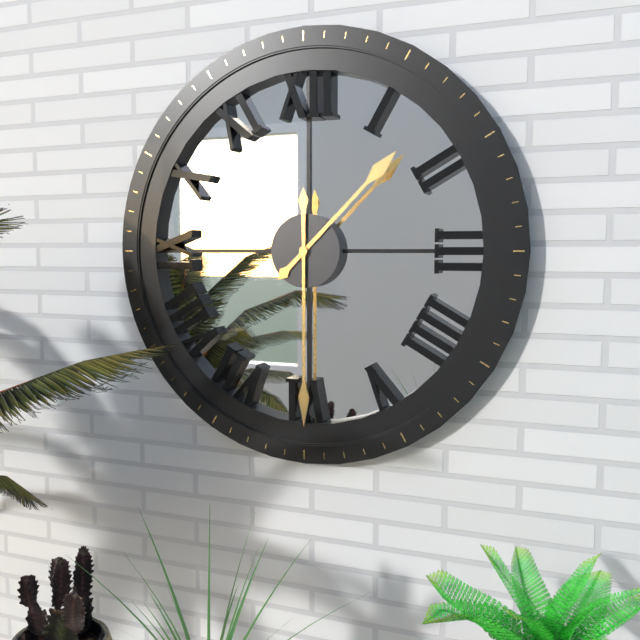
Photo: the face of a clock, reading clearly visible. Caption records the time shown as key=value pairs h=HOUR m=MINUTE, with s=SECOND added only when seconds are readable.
h=1 m=30
